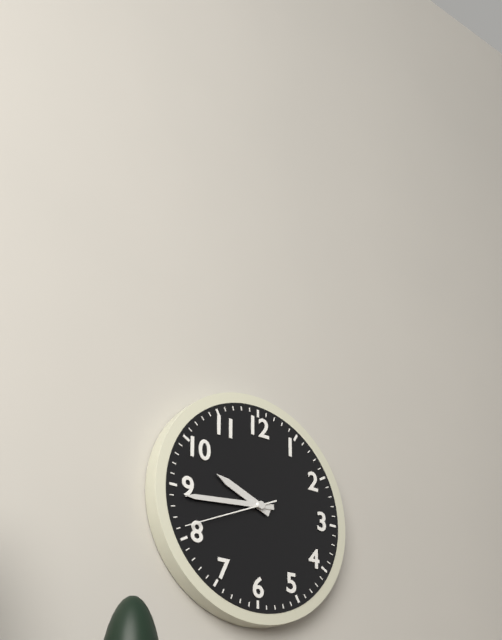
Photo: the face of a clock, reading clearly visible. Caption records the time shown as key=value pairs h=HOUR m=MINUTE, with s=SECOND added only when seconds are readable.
h=9 m=44 s=41
